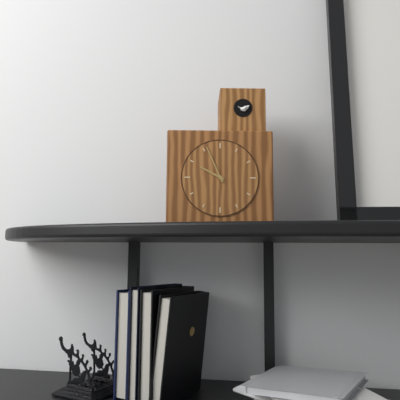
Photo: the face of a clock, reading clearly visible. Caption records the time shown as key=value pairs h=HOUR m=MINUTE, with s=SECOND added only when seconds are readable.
h=9 m=56
